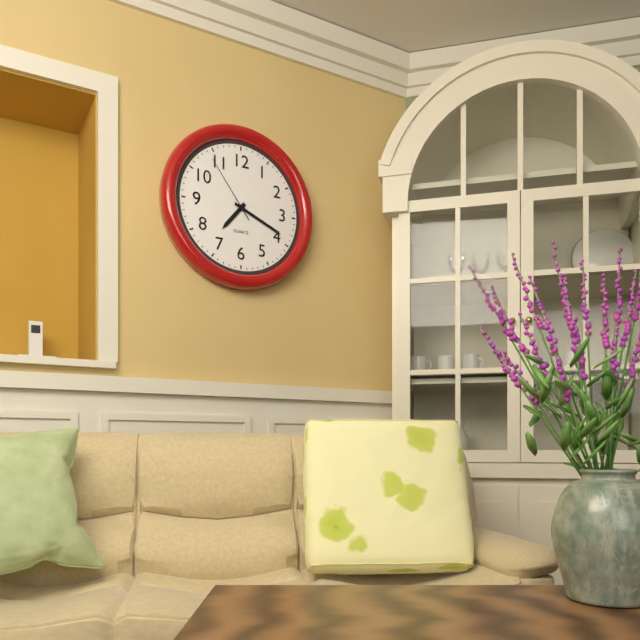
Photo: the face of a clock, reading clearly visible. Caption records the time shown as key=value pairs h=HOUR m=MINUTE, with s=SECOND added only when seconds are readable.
h=7 m=19 s=54
